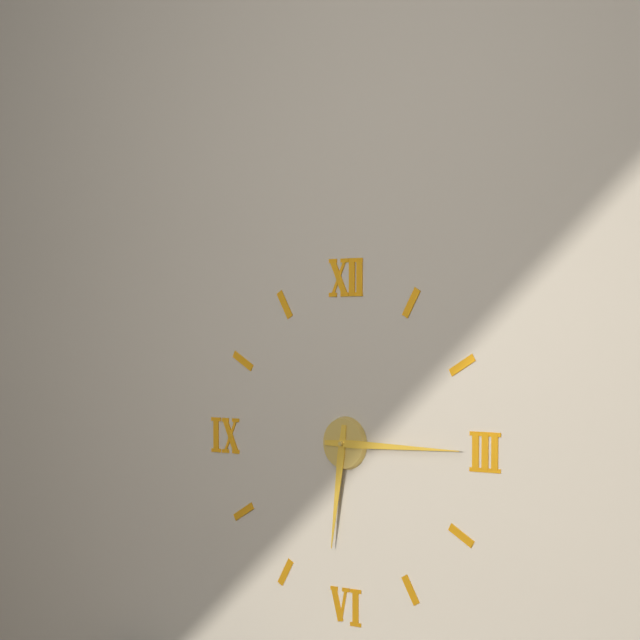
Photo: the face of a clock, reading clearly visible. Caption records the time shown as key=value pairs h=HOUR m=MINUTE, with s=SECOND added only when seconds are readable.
h=6 m=15
